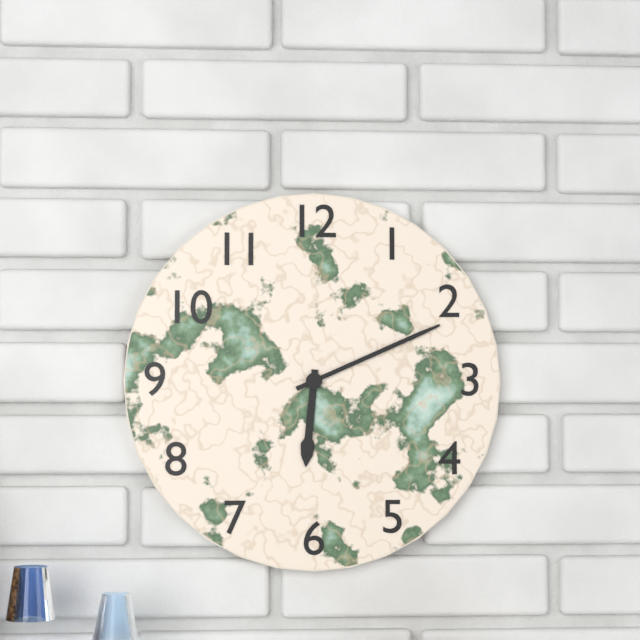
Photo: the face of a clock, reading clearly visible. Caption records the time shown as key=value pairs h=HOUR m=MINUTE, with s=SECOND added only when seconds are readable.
h=6 m=11
